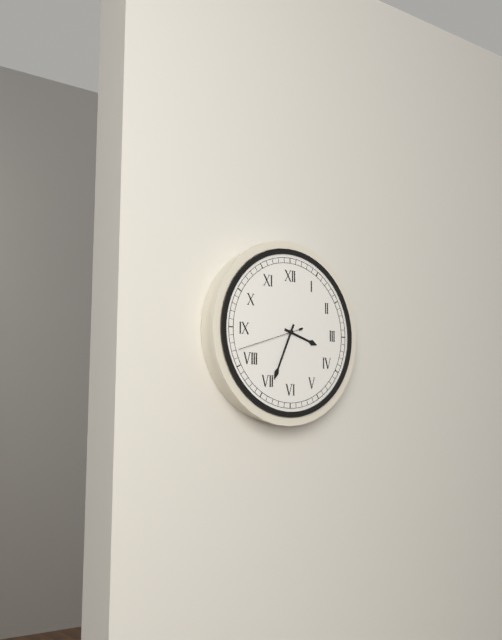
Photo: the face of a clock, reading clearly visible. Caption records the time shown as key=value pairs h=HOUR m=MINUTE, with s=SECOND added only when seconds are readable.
h=3 m=34 s=42
